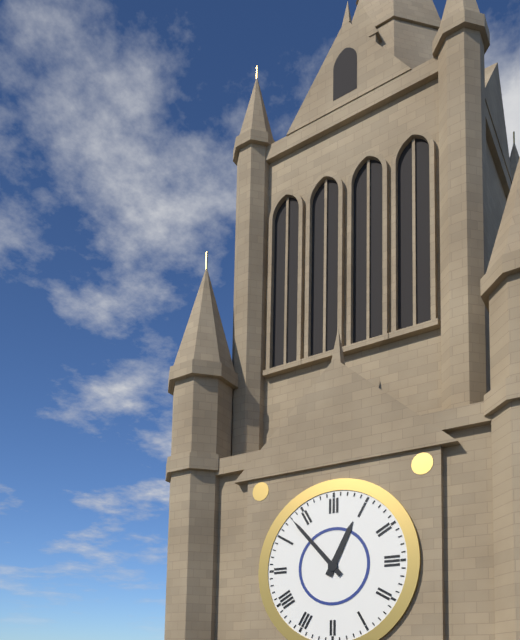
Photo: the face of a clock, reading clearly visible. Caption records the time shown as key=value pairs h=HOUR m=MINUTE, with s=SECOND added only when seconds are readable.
h=12 m=53
